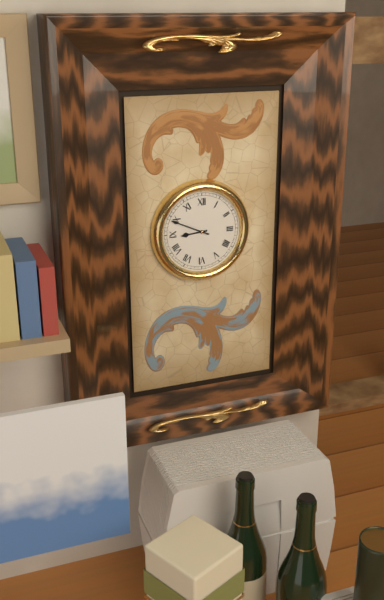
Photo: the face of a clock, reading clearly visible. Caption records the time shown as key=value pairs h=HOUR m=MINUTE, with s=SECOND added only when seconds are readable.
h=8 m=49
